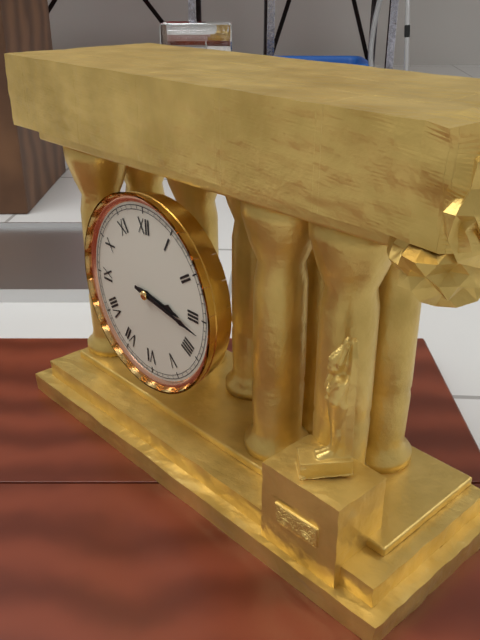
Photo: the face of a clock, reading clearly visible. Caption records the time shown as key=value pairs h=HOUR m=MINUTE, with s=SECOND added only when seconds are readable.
h=3 m=17
